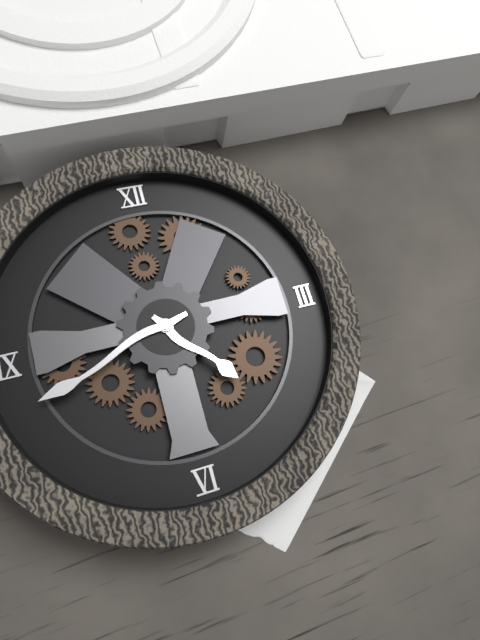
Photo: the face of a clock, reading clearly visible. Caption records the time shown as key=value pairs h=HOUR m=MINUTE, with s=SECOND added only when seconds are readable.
h=4 m=42
